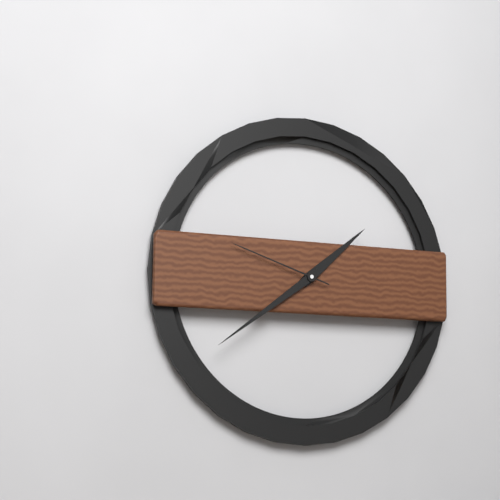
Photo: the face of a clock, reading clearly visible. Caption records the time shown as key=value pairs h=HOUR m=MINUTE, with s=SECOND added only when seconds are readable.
h=1 m=39 s=48
